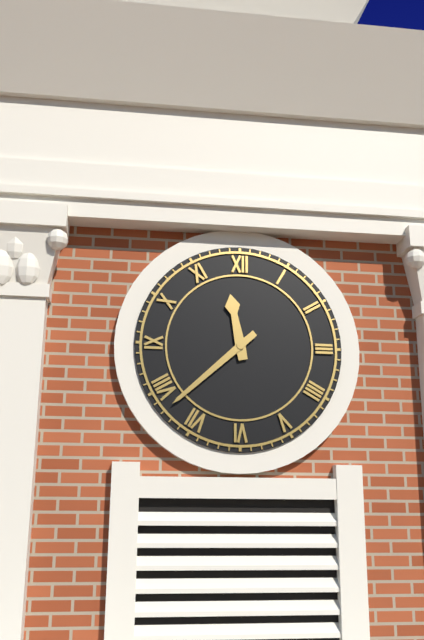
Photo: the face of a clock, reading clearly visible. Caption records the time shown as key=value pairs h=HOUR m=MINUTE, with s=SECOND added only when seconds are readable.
h=11 m=38
